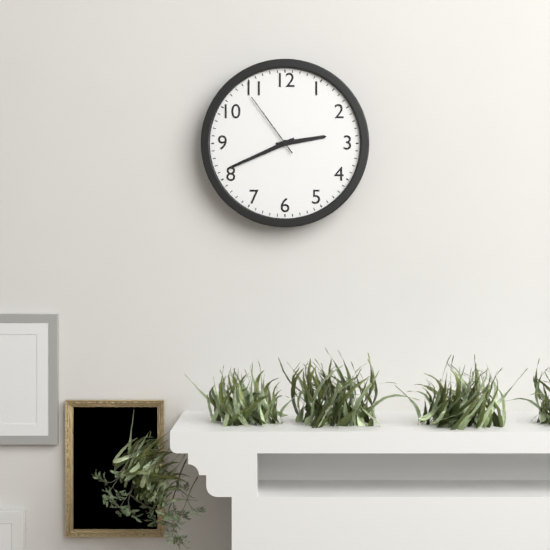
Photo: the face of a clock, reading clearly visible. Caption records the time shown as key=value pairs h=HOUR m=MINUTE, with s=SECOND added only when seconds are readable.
h=2 m=41 s=54
